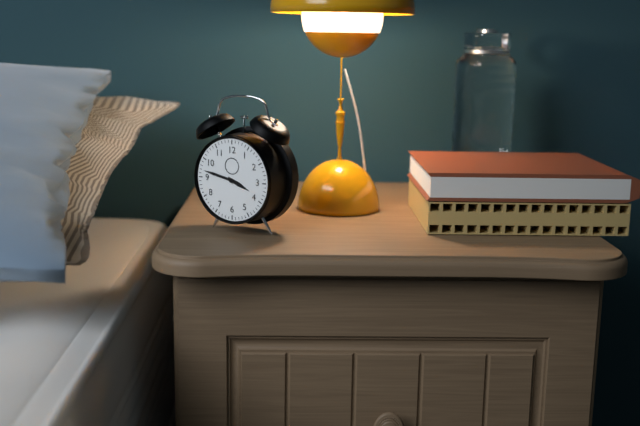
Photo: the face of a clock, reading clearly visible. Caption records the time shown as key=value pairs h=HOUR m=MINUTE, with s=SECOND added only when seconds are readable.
h=3 m=47
